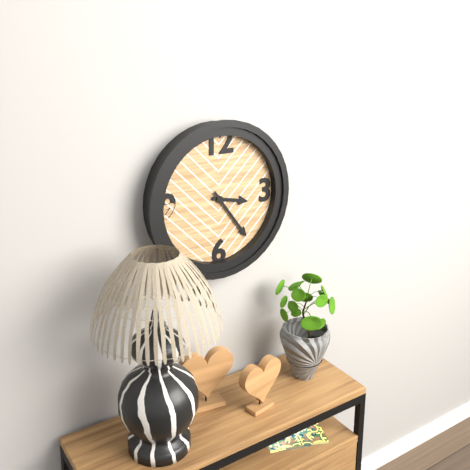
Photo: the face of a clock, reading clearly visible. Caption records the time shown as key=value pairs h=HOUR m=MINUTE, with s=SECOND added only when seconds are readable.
h=3 m=24
